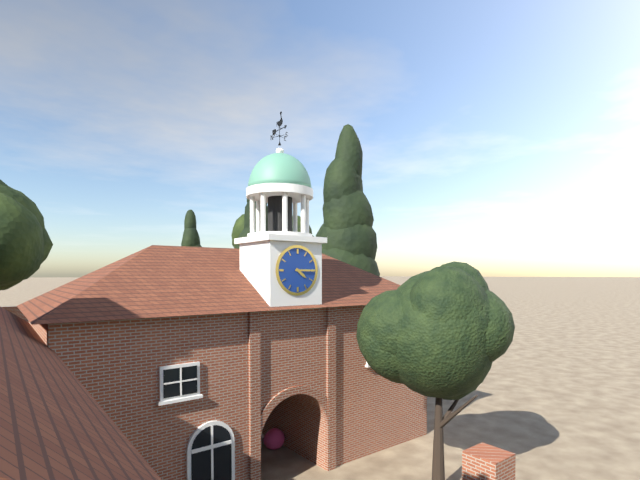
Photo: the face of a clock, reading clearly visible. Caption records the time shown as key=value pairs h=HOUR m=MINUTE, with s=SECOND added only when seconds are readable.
h=4 m=15
